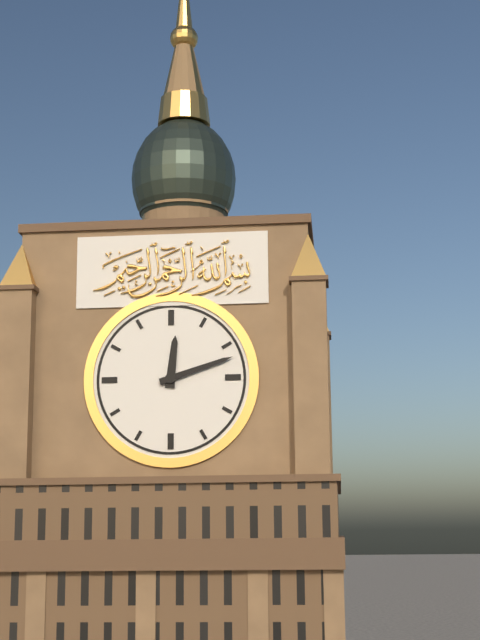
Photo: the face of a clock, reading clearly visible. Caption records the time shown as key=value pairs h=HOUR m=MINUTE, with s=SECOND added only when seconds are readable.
h=12 m=12
